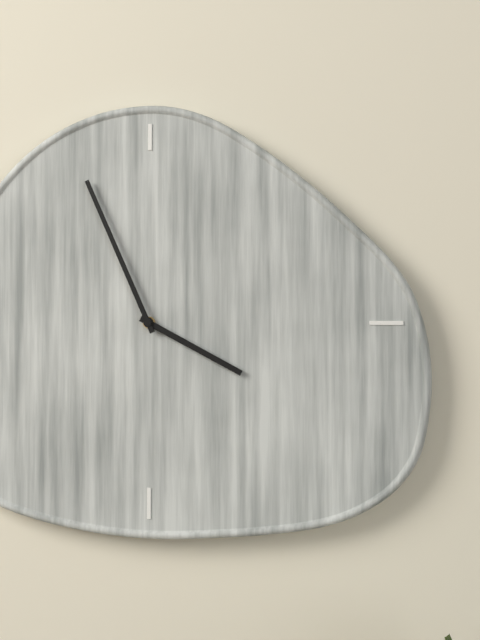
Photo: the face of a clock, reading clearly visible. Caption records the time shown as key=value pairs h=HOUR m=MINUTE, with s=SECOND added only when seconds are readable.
h=3 m=56
